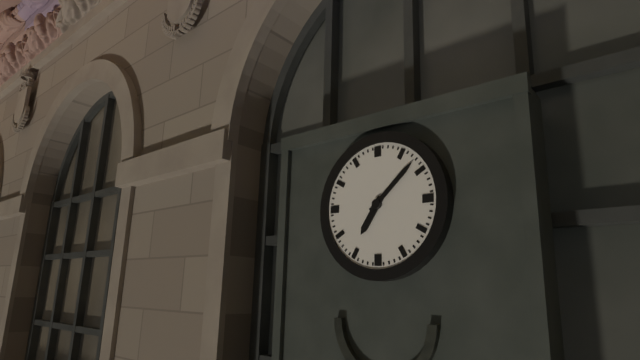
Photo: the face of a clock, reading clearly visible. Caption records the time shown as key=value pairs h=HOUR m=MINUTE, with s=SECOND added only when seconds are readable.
h=7 m=8
